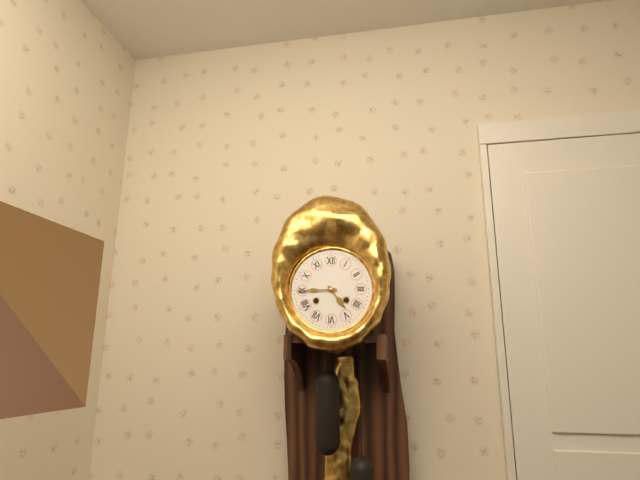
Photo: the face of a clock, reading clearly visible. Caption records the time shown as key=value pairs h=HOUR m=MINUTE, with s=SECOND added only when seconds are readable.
h=4 m=45
